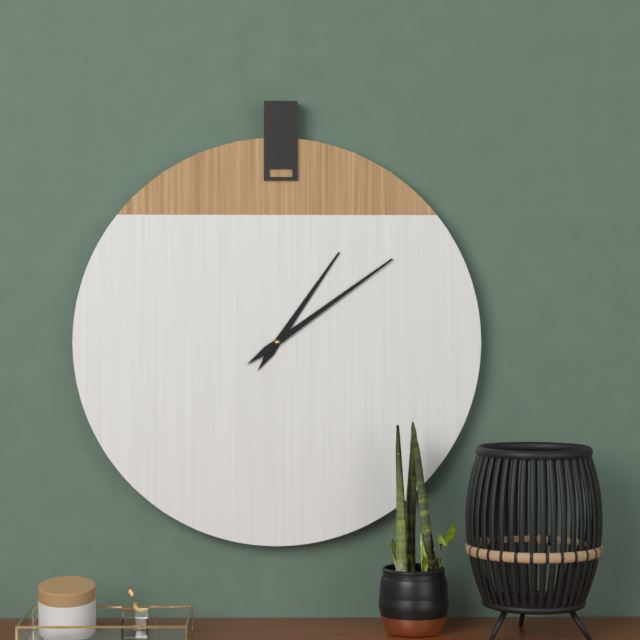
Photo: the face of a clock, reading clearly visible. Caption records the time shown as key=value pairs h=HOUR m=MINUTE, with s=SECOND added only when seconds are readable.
h=1 m=9
